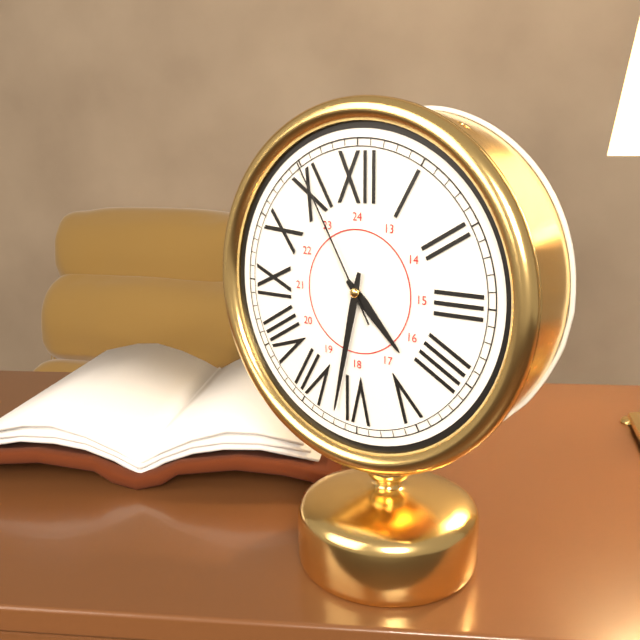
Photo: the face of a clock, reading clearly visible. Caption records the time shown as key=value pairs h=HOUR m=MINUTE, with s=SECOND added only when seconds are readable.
h=4 m=32 s=55
